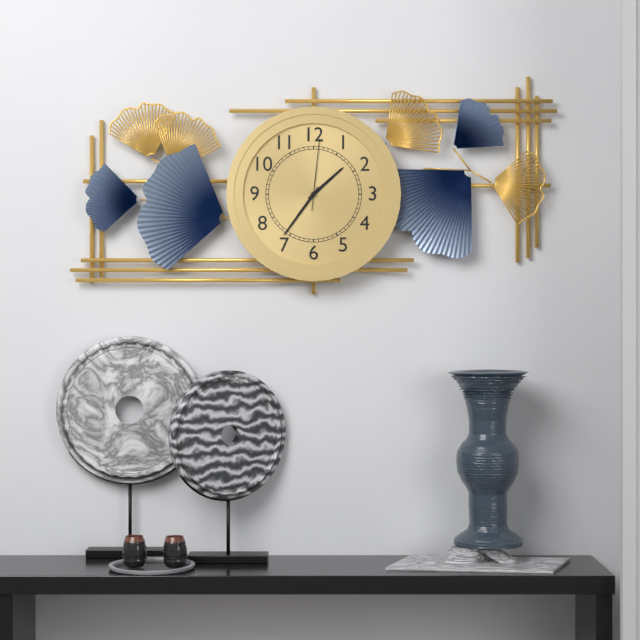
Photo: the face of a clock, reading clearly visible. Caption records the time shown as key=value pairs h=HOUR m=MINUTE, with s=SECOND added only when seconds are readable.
h=1 m=36 s=1
